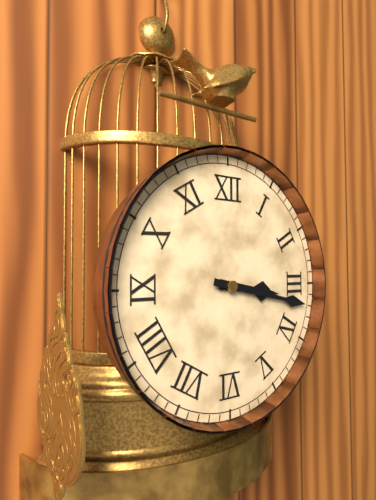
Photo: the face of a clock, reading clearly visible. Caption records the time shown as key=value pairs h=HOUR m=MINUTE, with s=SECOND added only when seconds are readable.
h=3 m=17
